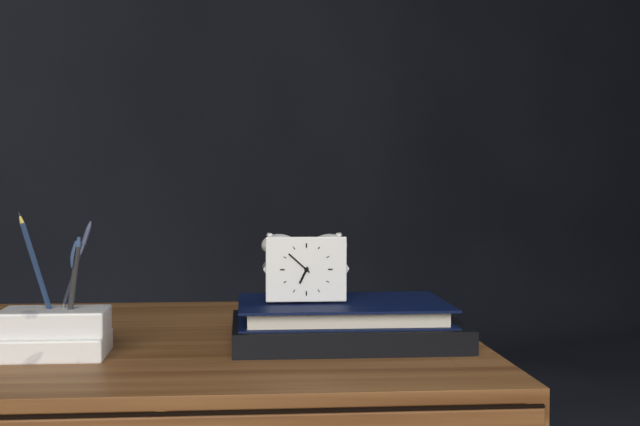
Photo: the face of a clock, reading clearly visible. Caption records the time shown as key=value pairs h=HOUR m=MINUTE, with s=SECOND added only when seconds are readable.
h=6 m=52
